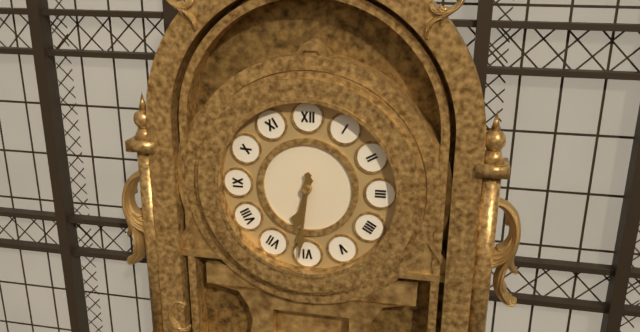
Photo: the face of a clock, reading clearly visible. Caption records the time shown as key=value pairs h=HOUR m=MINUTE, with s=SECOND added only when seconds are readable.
h=6 m=31
